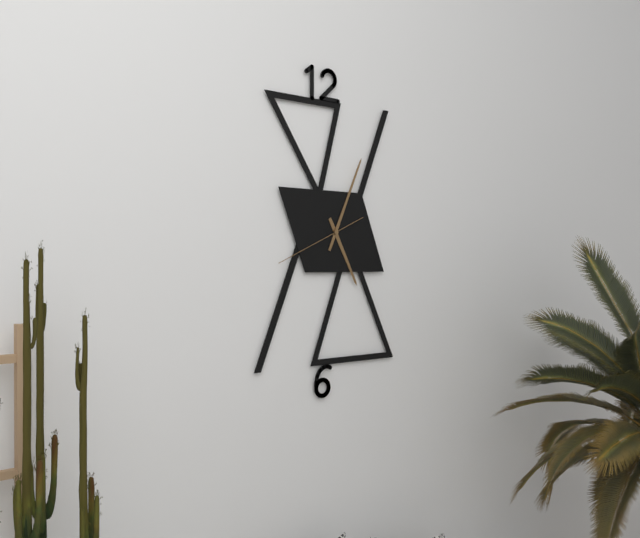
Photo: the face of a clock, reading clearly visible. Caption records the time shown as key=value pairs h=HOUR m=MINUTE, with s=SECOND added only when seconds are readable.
h=5 m=4 s=41
